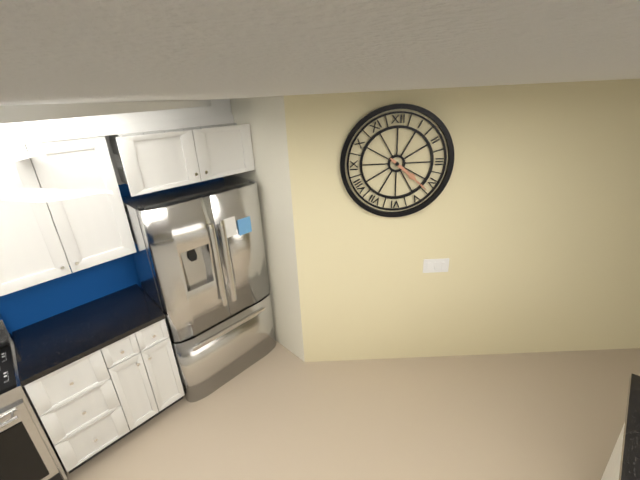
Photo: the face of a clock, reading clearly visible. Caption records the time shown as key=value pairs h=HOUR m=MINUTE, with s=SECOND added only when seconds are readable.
h=4 m=22
